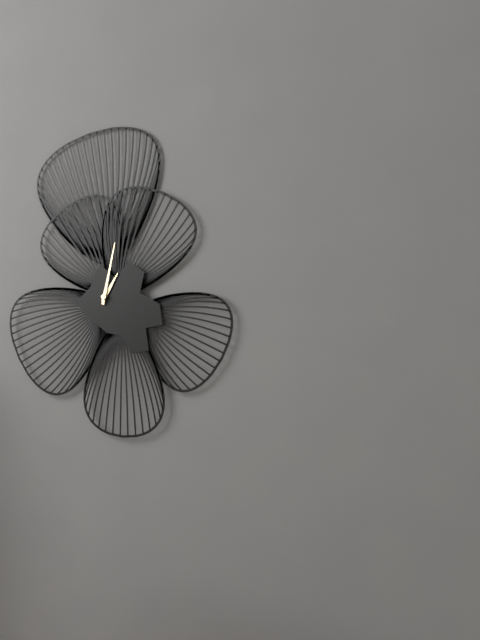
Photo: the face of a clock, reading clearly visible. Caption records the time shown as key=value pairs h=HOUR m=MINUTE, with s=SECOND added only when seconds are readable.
h=1 m=2
